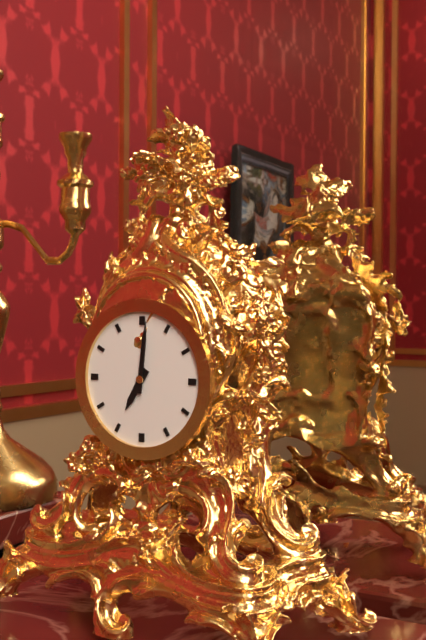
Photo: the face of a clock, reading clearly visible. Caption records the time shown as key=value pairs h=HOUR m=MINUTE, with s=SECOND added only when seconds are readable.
h=7 m=1
